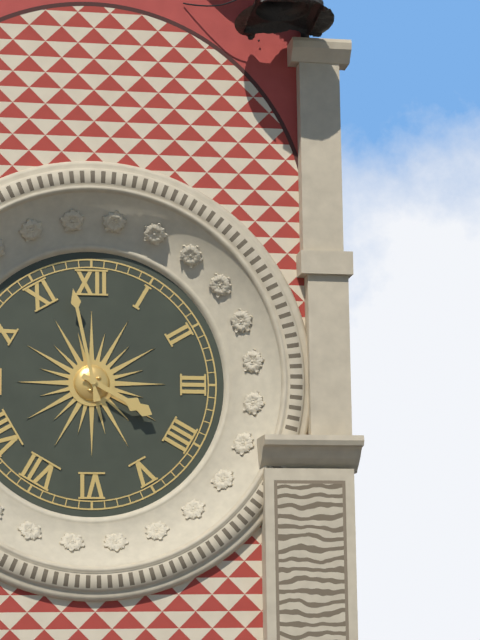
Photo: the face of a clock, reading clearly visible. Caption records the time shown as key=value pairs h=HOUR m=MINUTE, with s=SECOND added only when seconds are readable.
h=3 m=58
